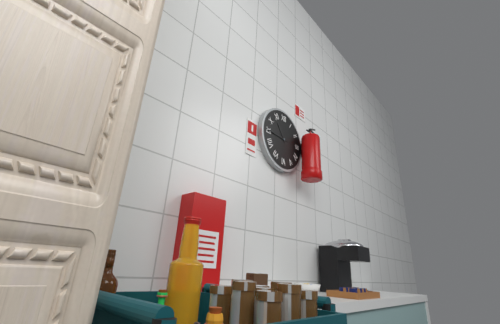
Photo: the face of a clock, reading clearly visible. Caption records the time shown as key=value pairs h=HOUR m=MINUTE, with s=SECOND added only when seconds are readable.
h=10 m=45
